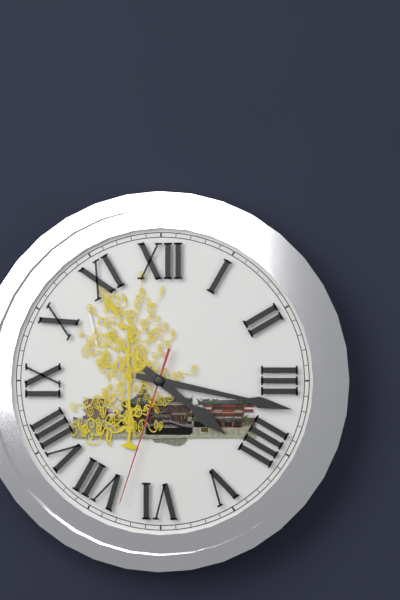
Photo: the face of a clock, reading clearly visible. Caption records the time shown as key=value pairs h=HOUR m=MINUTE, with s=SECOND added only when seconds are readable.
h=4 m=17 s=33
